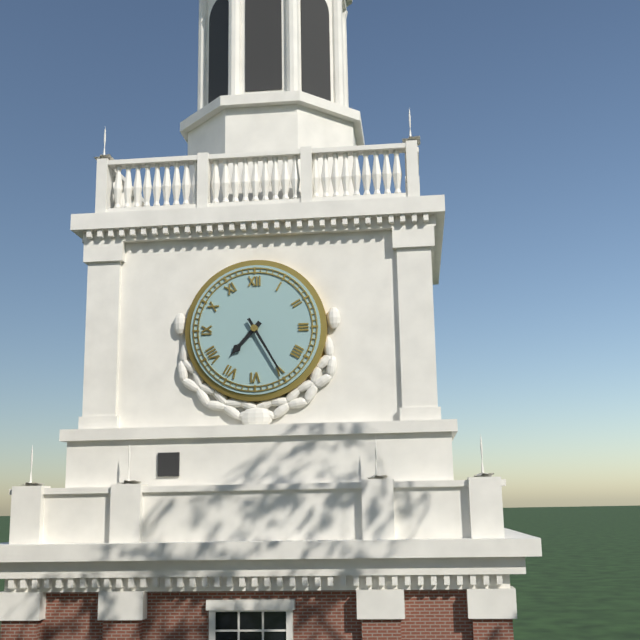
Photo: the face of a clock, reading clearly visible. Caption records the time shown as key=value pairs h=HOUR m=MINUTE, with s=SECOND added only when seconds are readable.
h=7 m=25
